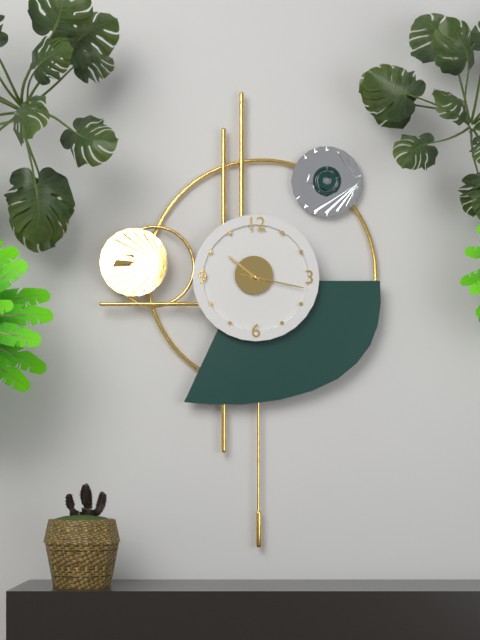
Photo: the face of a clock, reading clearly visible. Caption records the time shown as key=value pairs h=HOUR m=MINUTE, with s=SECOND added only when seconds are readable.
h=10 m=17 s=17
